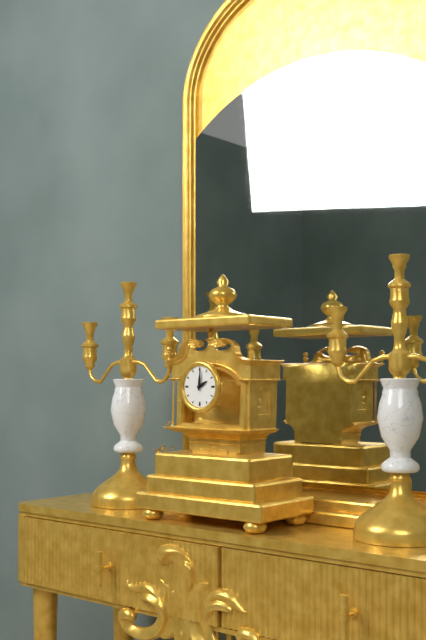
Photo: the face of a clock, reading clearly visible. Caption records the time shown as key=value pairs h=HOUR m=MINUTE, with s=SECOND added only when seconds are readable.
h=2 m=1
